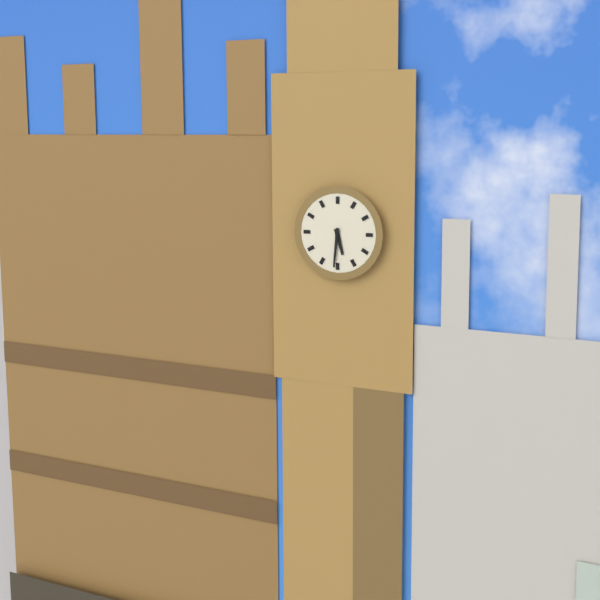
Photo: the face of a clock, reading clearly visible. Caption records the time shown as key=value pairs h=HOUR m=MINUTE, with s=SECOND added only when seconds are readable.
h=5 m=31
